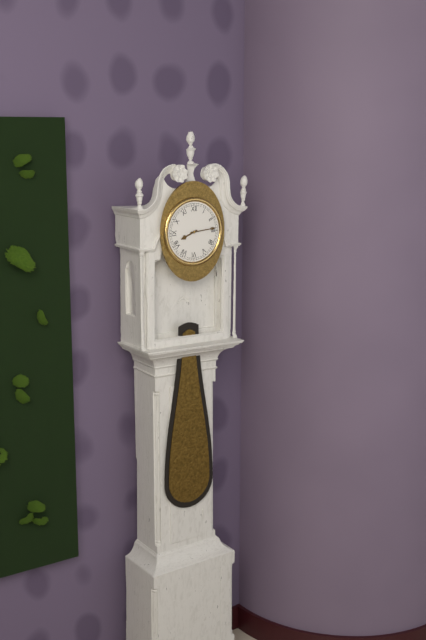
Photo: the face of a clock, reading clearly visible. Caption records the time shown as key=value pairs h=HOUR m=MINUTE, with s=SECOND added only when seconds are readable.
h=8 m=14
